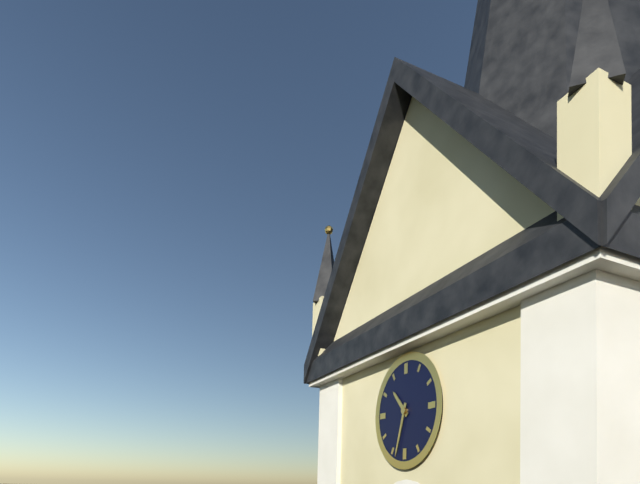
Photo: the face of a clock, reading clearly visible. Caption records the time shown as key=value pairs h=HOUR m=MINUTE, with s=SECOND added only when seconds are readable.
h=10 m=33
